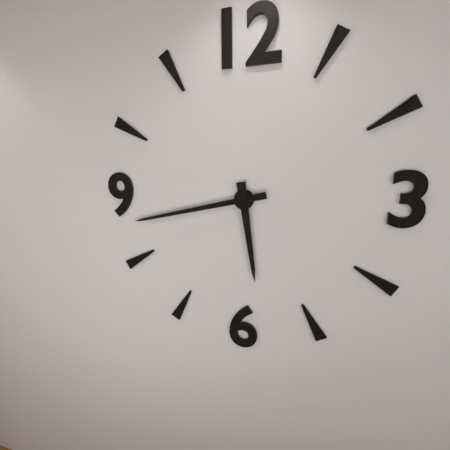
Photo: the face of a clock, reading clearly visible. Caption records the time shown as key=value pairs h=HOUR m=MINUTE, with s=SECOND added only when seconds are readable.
h=5 m=43
